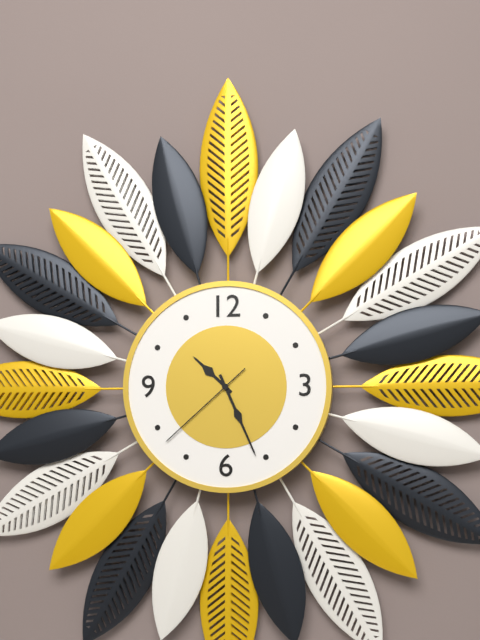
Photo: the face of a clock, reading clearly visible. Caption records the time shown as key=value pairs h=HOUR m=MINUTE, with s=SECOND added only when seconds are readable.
h=10 m=26 s=38
